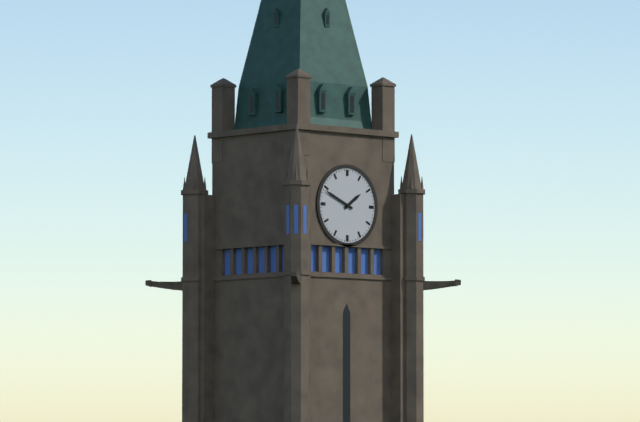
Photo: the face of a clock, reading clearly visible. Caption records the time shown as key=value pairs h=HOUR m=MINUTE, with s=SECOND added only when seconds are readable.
h=1 m=49
